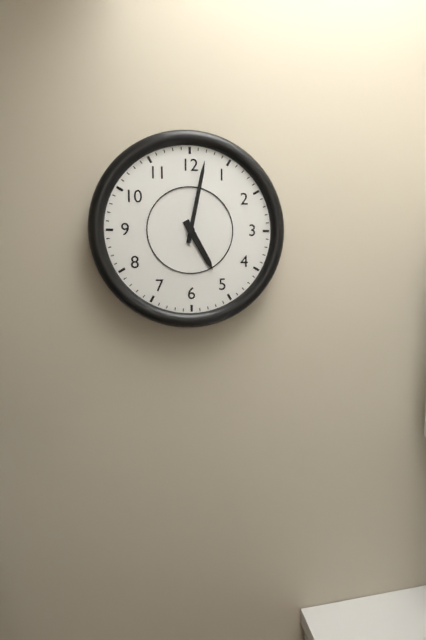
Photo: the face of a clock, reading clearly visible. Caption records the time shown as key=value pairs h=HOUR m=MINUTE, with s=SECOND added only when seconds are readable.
h=5 m=2
